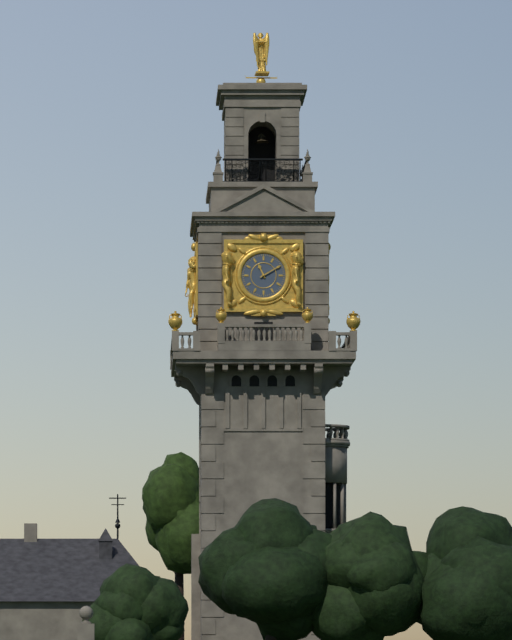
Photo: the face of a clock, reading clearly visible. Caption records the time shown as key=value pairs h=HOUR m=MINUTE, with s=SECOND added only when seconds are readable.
h=11 m=10
